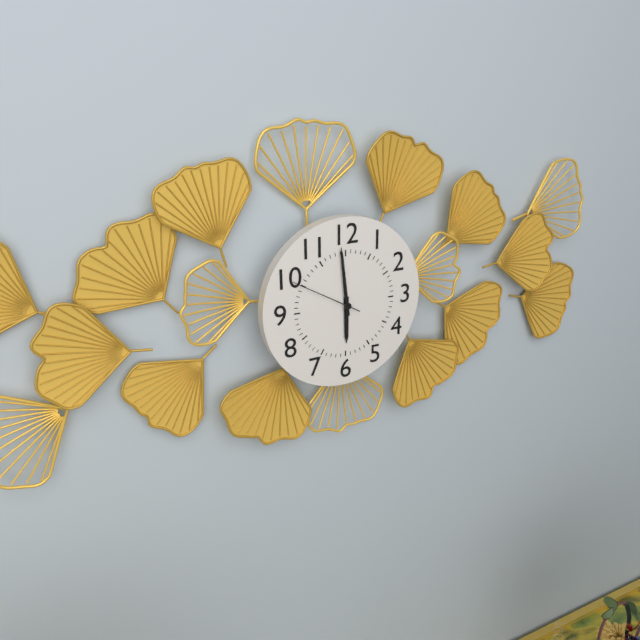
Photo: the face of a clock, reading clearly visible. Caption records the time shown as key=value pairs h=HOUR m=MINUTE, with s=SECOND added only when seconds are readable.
h=5 m=59 s=50
